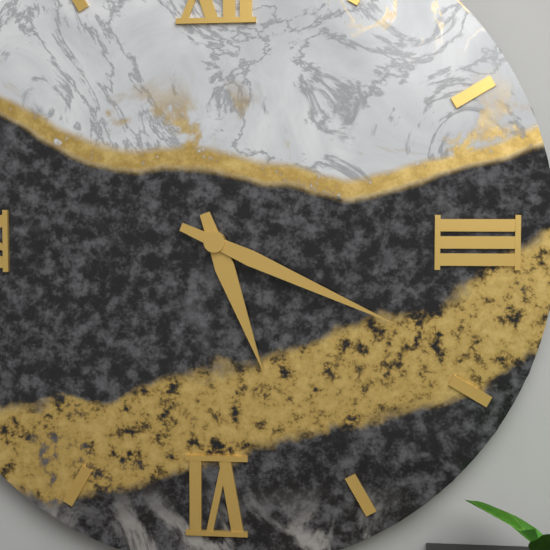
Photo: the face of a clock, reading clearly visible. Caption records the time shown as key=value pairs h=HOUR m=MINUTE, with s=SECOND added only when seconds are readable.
h=5 m=19
